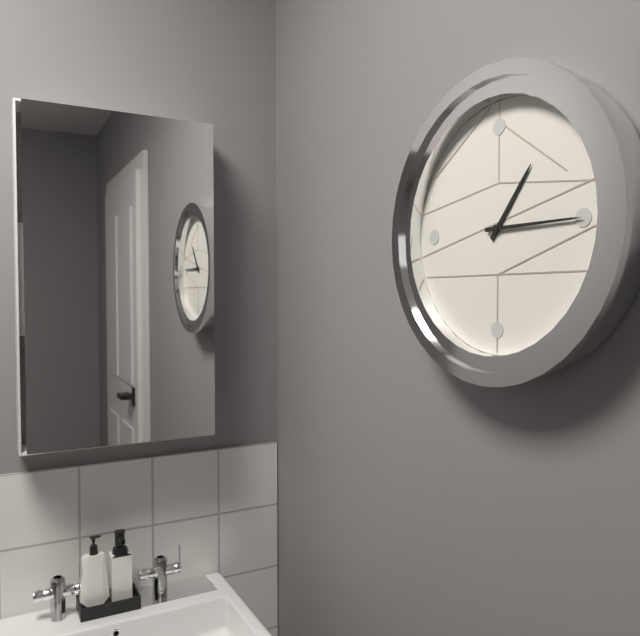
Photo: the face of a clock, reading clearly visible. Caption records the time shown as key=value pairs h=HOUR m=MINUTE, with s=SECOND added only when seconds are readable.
h=1 m=15
